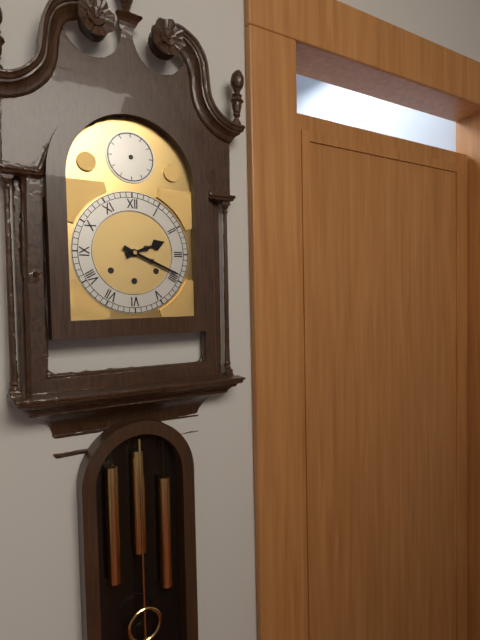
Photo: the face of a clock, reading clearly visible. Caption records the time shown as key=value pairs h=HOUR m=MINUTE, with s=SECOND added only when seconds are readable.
h=2 m=19
